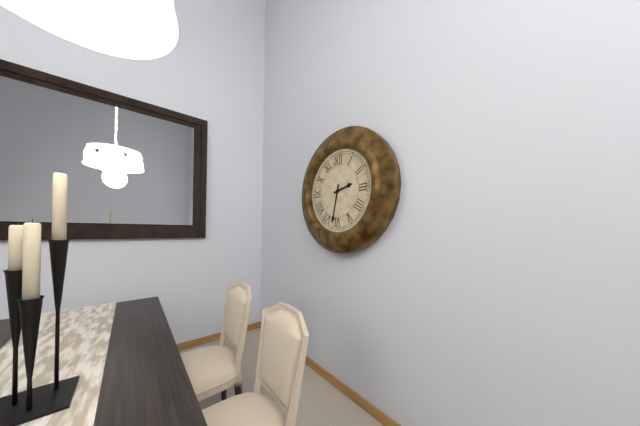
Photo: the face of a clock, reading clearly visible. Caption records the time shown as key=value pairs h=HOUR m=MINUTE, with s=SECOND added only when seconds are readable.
h=2 m=32
